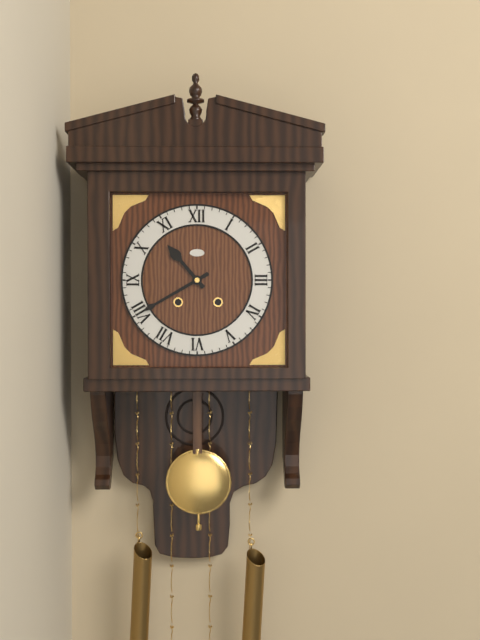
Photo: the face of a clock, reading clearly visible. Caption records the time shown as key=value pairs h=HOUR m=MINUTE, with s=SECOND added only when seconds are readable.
h=10 m=40
